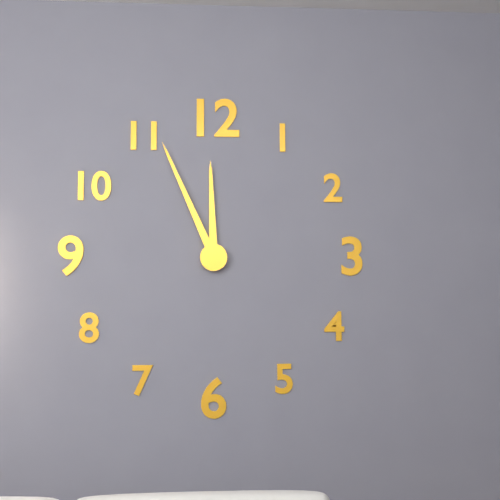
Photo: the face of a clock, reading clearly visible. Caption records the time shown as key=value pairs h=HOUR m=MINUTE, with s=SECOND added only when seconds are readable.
h=11 m=56
